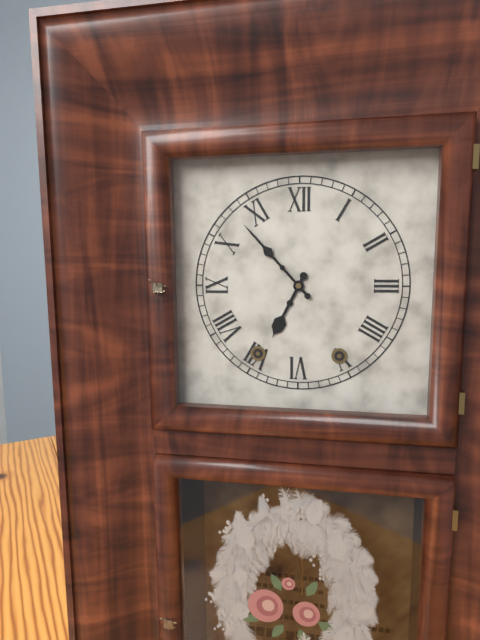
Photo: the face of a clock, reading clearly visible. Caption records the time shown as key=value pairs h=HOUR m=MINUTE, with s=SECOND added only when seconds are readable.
h=6 m=53
